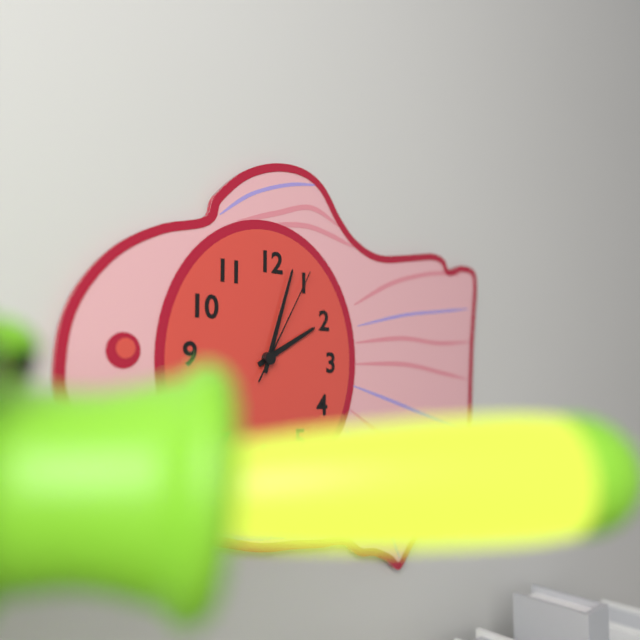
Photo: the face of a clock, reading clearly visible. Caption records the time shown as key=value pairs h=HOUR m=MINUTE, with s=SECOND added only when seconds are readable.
h=2 m=3 s=5
